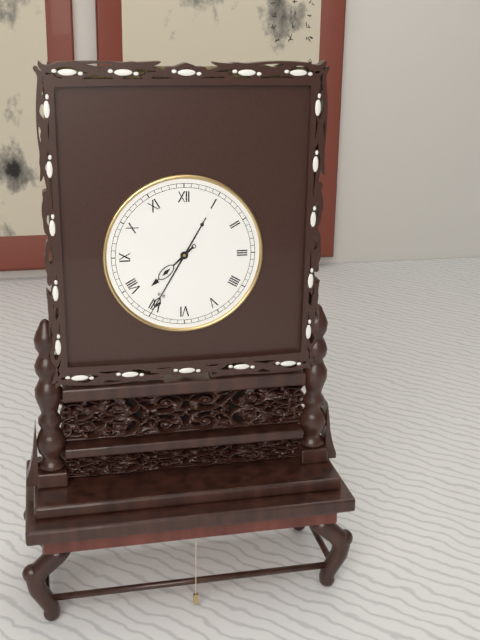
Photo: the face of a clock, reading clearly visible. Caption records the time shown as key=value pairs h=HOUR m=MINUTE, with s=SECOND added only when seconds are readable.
h=7 m=35
